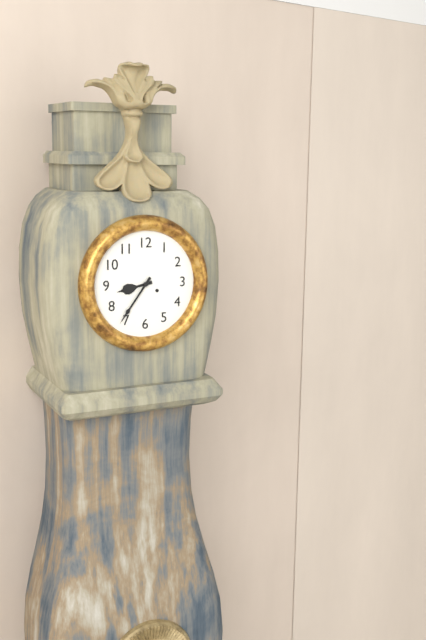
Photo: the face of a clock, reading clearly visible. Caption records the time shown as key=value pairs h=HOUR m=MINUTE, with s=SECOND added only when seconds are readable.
h=8 m=36
